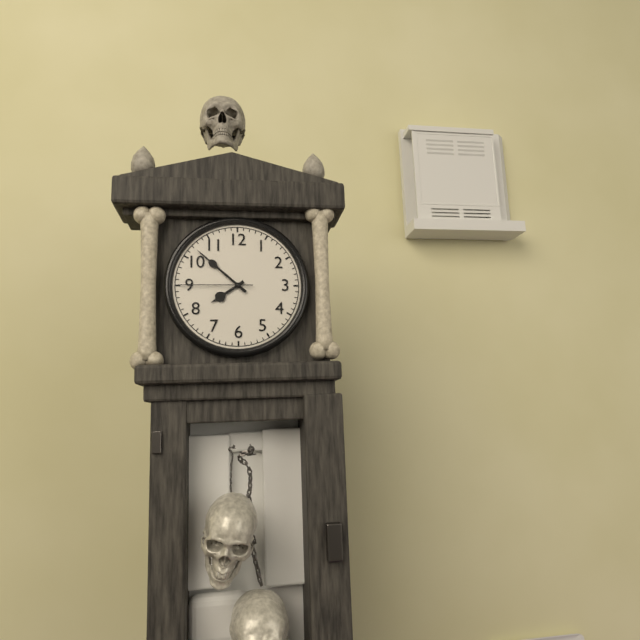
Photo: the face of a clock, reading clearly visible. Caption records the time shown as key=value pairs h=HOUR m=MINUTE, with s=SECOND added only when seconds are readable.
h=7 m=52 s=45
